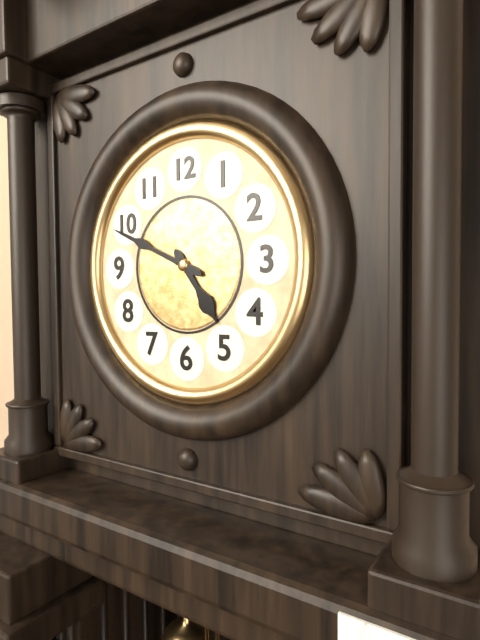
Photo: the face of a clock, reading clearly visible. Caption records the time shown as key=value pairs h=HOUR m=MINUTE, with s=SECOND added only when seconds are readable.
h=4 m=49
